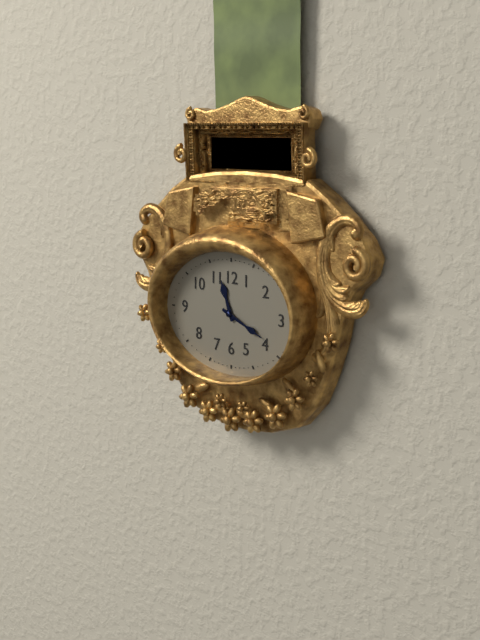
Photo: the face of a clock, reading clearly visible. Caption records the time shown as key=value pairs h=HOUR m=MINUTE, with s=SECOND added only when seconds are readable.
h=11 m=19
